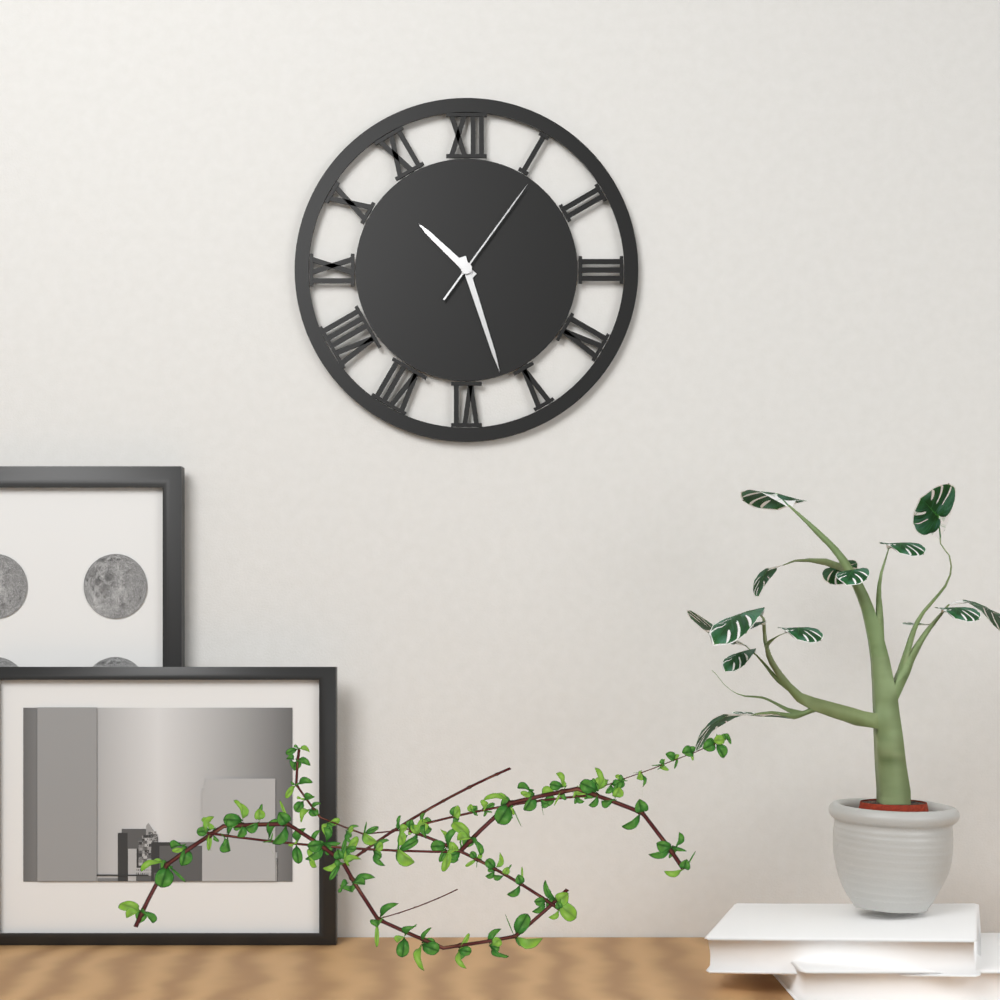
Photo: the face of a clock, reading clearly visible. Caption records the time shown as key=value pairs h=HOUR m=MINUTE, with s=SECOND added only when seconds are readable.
h=10 m=27 s=6
